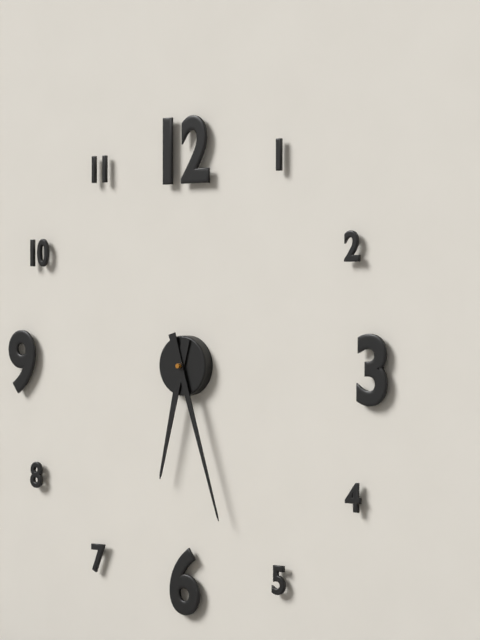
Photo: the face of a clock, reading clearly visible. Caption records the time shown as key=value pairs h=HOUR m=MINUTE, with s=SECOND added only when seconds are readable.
h=6 m=27
